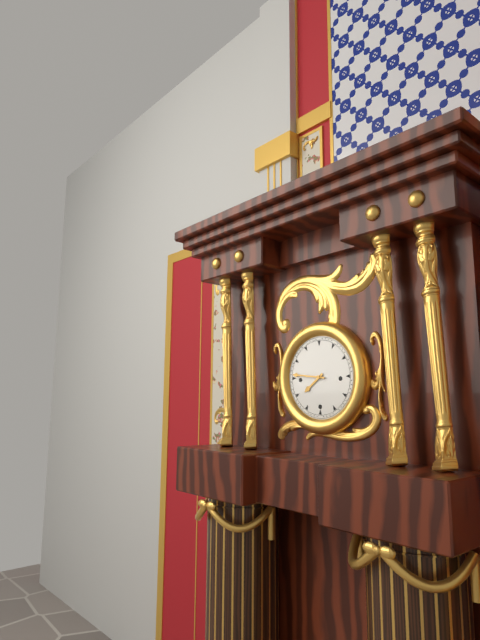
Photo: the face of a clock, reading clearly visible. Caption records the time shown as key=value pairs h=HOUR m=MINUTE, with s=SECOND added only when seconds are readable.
h=7 m=46
